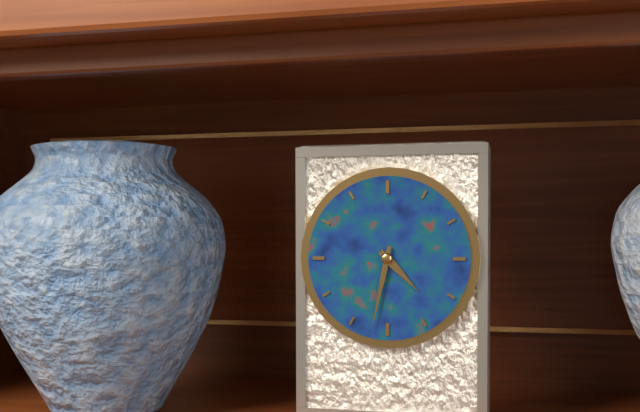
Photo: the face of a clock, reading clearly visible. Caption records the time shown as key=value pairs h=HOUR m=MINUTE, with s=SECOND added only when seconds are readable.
h=4 m=32
